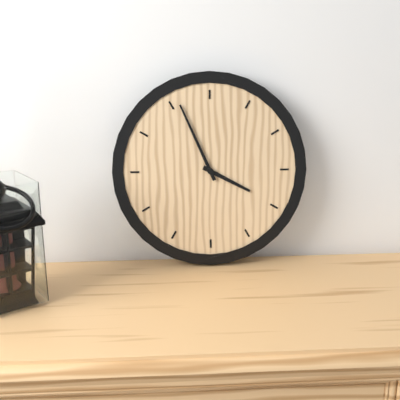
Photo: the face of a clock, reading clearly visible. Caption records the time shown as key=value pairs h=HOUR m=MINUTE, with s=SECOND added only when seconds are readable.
h=3 m=56
